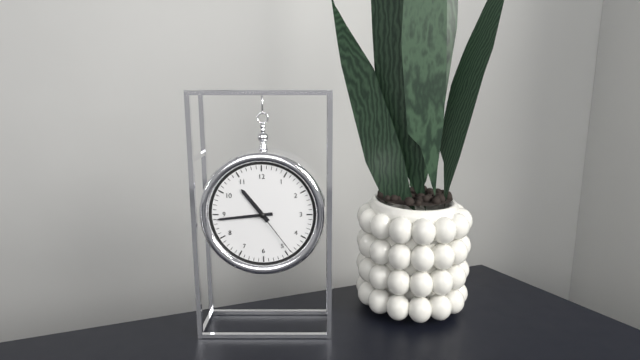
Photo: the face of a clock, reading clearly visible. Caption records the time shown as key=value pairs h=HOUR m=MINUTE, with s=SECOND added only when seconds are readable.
h=10 m=44 s=24
